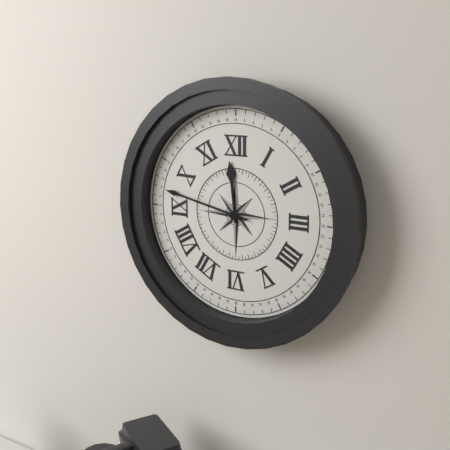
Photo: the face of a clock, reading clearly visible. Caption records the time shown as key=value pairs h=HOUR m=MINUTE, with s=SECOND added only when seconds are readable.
h=11 m=47
